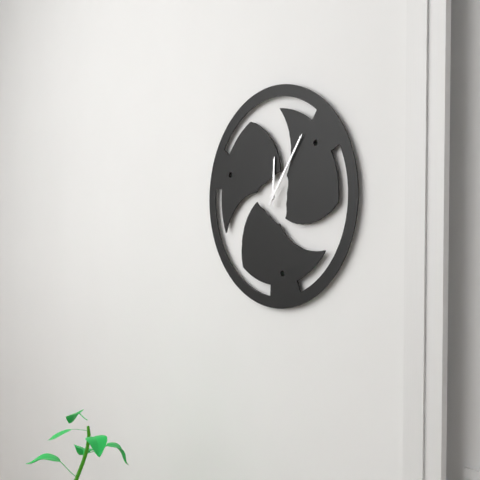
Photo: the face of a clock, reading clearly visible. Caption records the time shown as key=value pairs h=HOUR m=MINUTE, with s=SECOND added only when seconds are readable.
h=12 m=6
